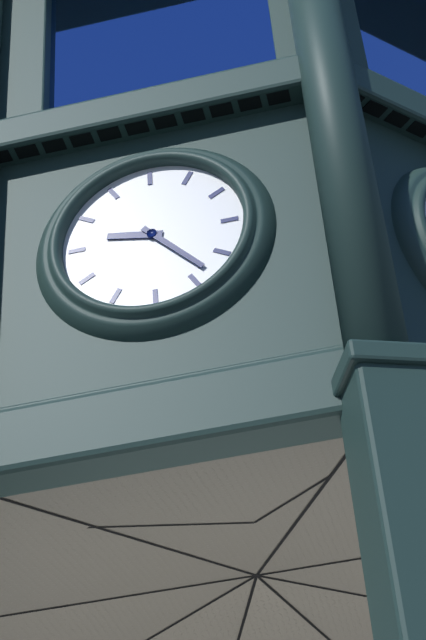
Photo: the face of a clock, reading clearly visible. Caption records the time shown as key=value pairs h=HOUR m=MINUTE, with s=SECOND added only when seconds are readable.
h=9 m=23
